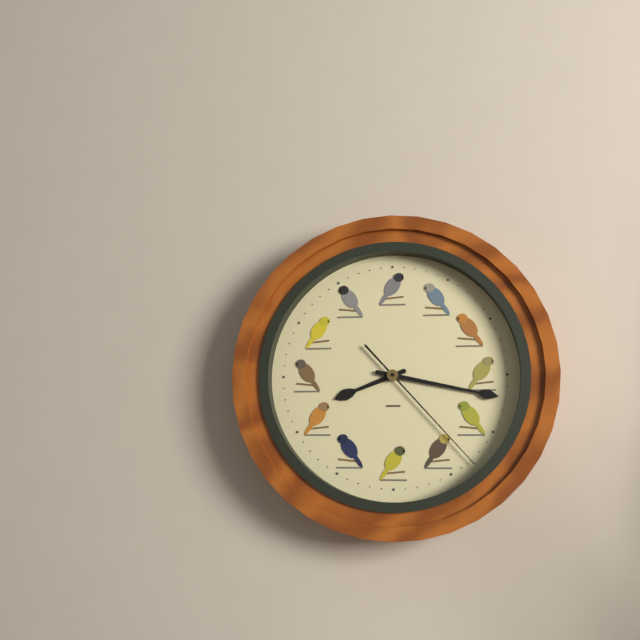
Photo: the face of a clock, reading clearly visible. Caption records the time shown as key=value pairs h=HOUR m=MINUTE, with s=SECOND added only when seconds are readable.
h=8 m=17 s=23
